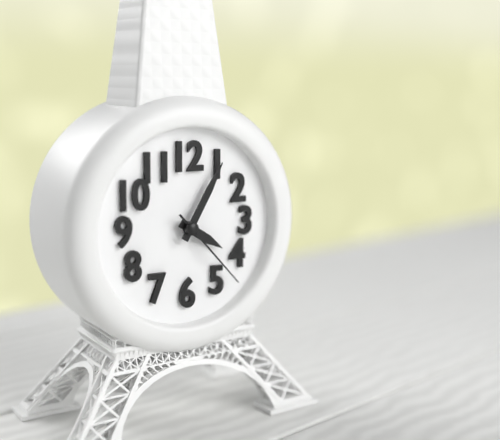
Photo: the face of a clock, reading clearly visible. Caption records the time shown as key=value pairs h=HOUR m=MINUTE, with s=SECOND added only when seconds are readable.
h=4 m=5 s=23
